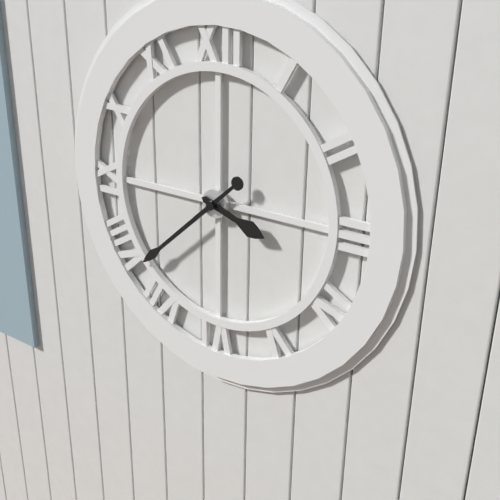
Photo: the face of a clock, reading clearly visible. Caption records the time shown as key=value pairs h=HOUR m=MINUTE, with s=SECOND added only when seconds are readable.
h=3 m=38
